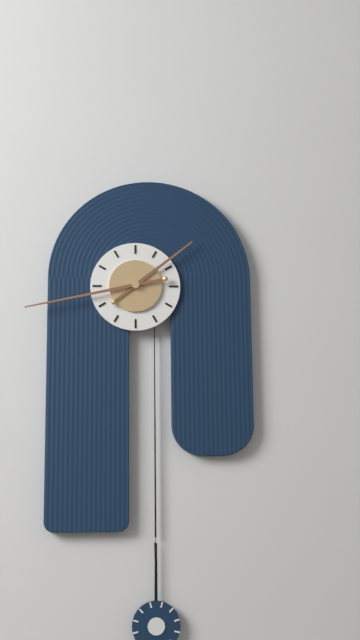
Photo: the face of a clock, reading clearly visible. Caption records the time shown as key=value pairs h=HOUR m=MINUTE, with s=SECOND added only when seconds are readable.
h=1 m=43
